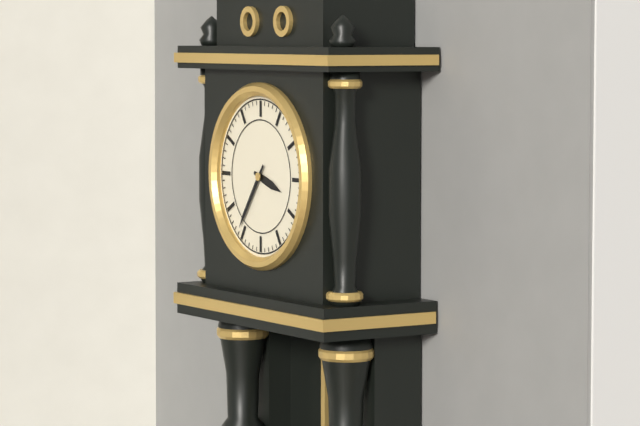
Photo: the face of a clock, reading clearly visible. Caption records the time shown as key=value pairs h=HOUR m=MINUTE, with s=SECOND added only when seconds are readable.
h=3 m=36
